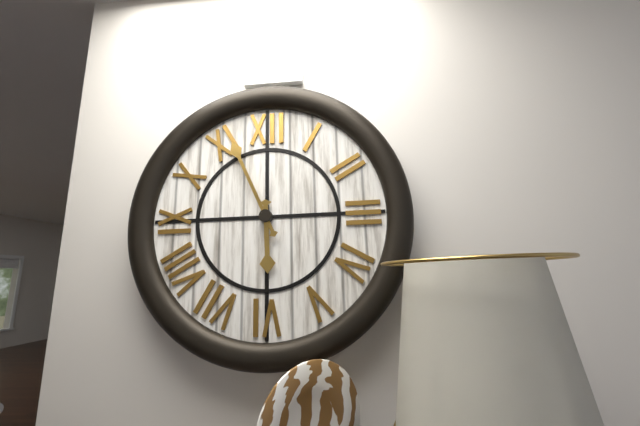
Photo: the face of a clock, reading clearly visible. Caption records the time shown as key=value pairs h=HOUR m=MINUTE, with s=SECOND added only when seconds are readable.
h=5 m=56
